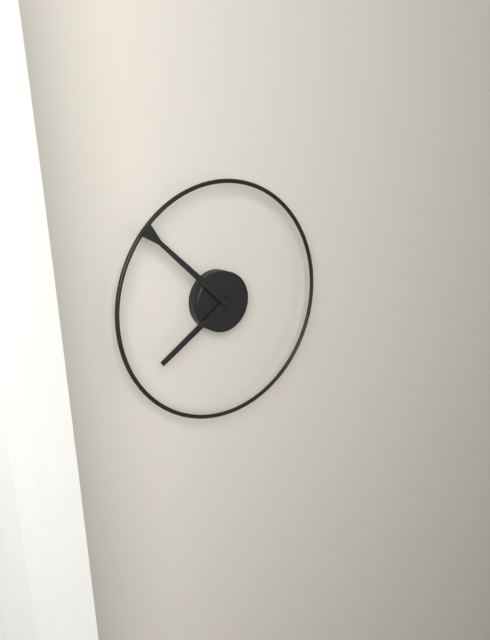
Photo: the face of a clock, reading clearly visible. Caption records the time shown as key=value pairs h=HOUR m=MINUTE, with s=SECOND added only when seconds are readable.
h=7 m=52
